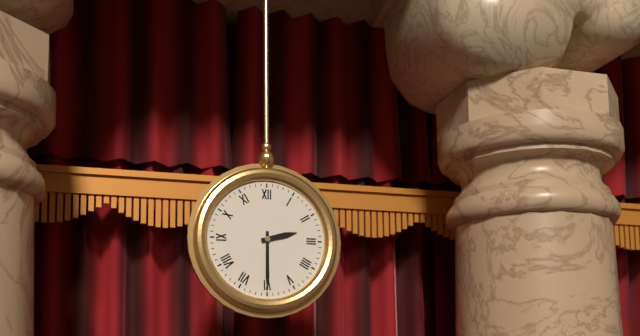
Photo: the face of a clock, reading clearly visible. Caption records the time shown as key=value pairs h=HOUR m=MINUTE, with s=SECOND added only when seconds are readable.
h=2 m=30
